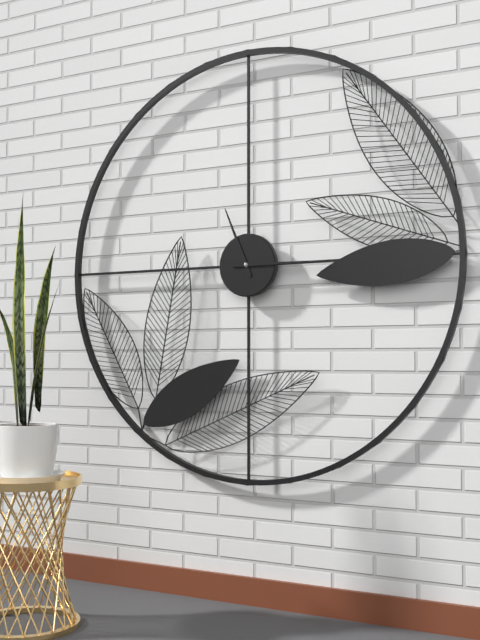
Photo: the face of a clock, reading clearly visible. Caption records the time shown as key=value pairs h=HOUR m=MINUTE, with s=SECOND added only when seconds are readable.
h=11 m=15
